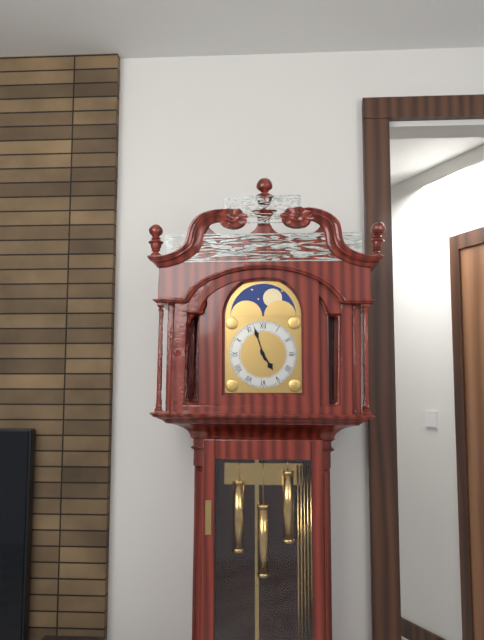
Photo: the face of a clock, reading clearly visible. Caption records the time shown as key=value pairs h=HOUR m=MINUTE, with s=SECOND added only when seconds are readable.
h=4 m=57
